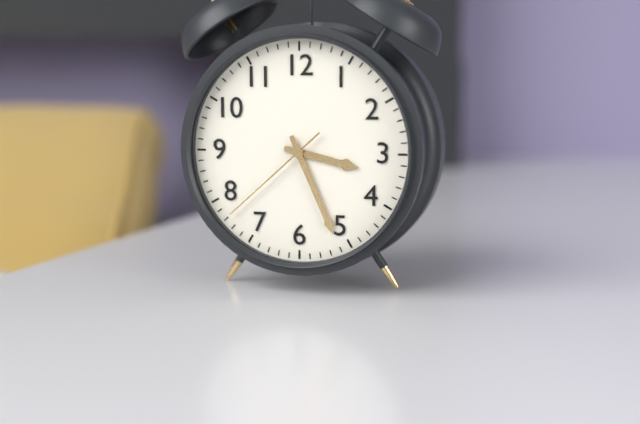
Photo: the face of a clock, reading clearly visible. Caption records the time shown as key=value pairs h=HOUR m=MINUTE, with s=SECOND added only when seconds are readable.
h=3 m=26 s=38
